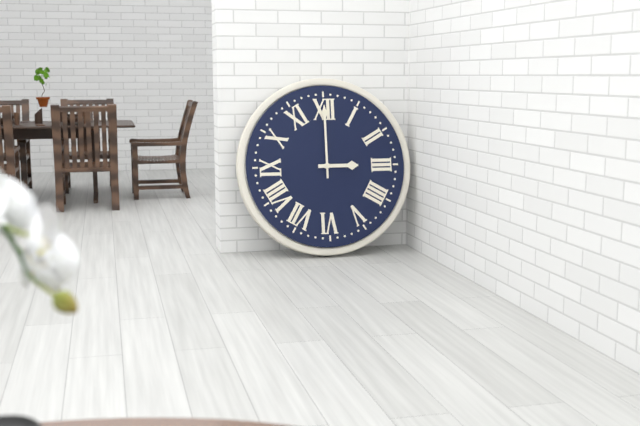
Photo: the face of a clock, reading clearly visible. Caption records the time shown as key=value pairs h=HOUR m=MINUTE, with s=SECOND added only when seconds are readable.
h=3 m=0
